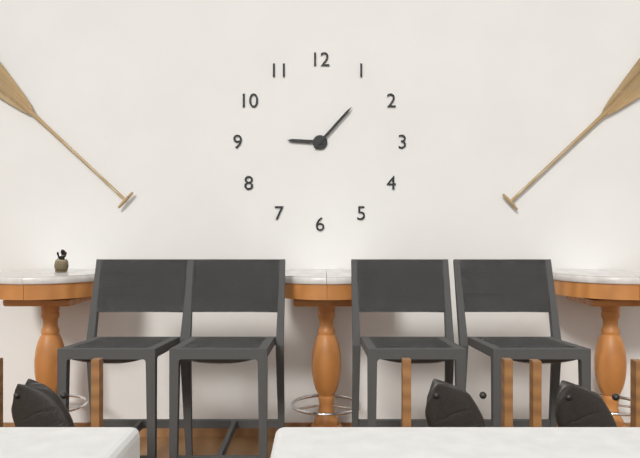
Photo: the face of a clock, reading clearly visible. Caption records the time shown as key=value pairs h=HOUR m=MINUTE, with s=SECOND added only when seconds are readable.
h=9 m=7
